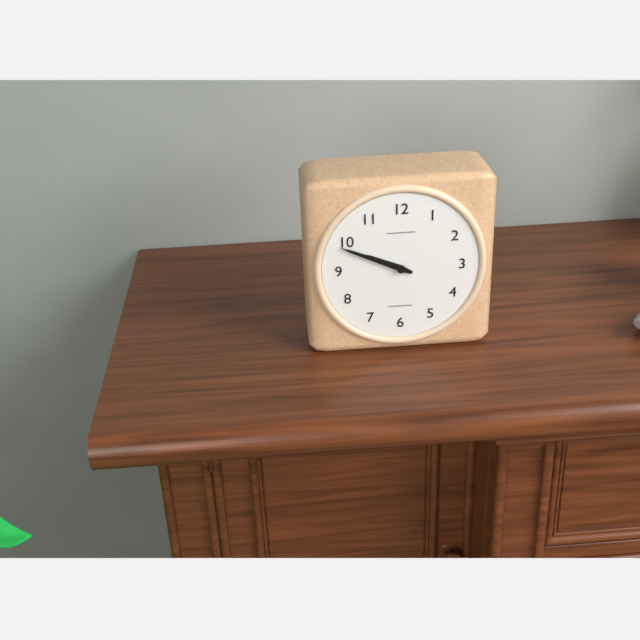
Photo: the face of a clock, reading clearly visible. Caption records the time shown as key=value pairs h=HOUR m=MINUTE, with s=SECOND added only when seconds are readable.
h=9 m=49
